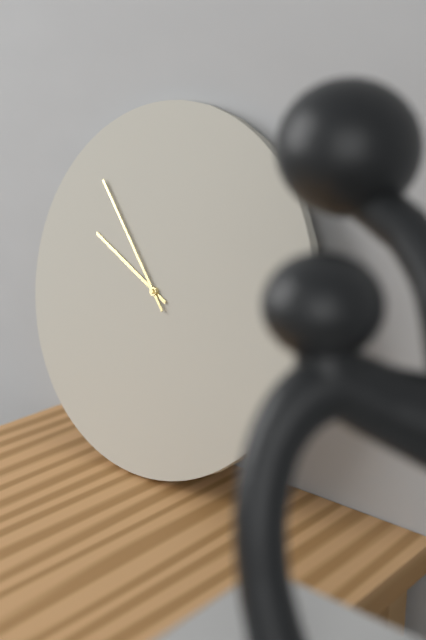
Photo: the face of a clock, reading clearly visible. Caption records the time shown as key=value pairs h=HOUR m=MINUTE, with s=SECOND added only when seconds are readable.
h=9 m=53
